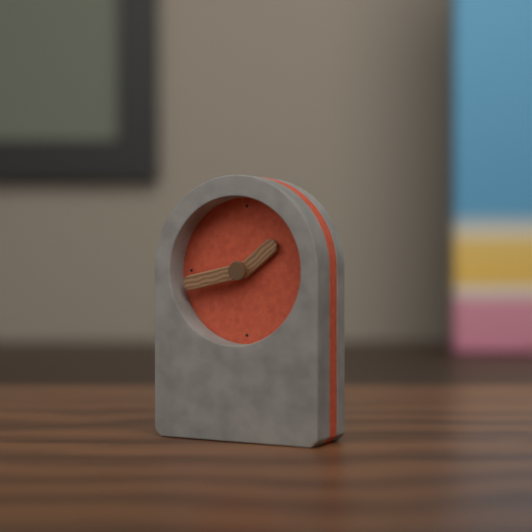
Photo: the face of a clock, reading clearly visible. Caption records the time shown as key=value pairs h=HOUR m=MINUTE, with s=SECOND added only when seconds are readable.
h=1 m=43
